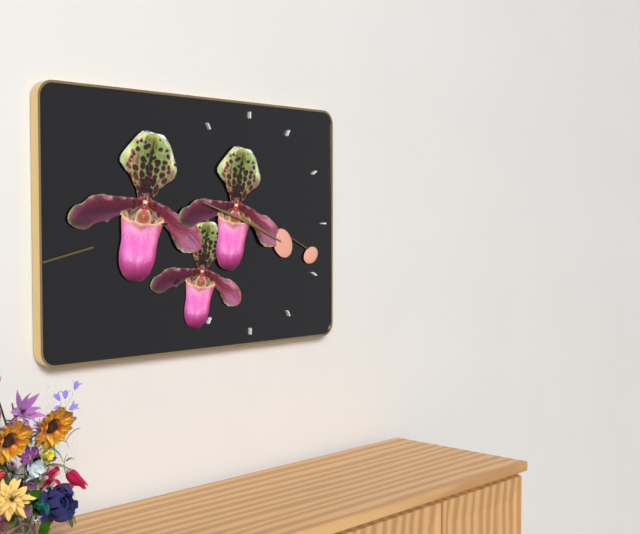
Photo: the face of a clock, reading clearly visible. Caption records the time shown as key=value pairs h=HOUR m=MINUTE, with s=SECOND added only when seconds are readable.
h=3 m=48
